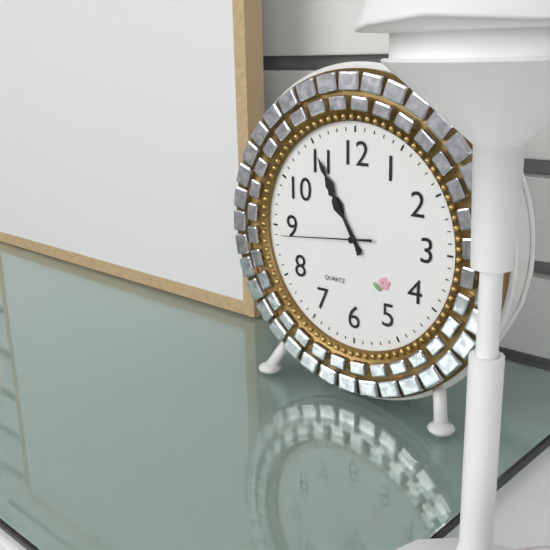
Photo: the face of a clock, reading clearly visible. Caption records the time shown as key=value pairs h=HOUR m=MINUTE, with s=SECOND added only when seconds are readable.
h=10 m=55 s=44
